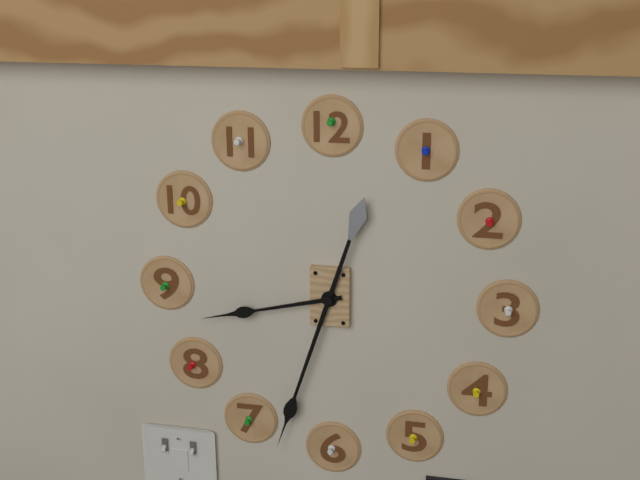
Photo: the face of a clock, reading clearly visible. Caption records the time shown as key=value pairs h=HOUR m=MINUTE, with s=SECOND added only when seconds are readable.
h=8 m=33
